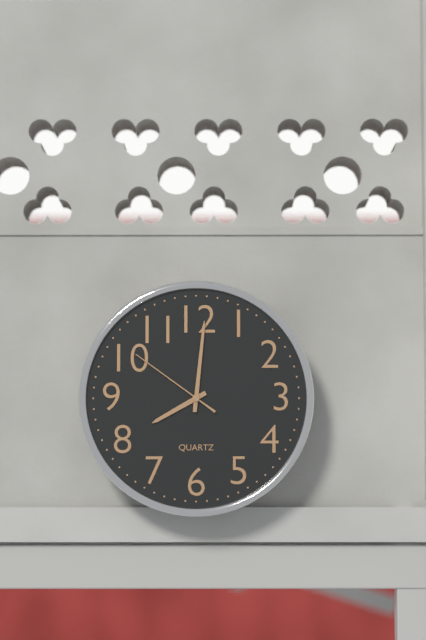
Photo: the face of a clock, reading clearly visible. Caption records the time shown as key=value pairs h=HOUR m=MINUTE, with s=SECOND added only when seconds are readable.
h=8 m=1 s=51
